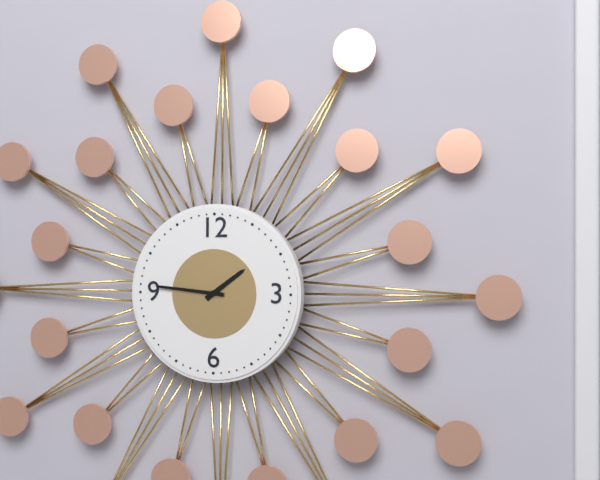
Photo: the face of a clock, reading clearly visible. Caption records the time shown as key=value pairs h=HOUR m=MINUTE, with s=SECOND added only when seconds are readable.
h=1 m=46
